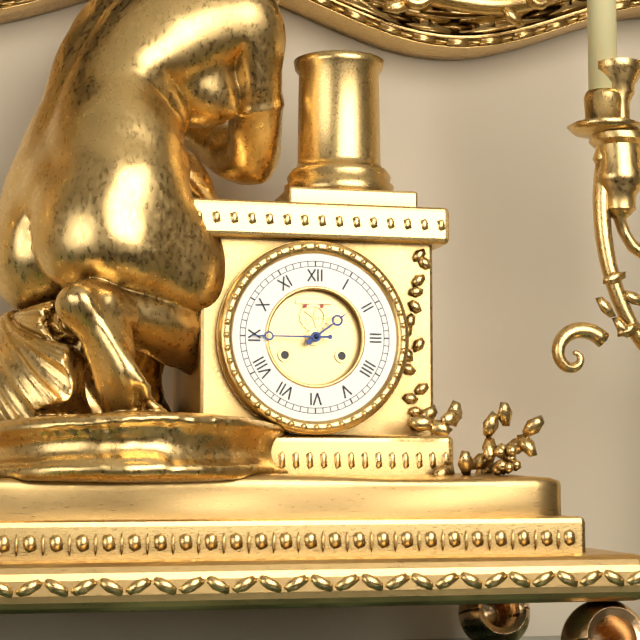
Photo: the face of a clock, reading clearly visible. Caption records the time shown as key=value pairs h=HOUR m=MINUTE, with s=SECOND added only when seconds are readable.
h=1 m=45
